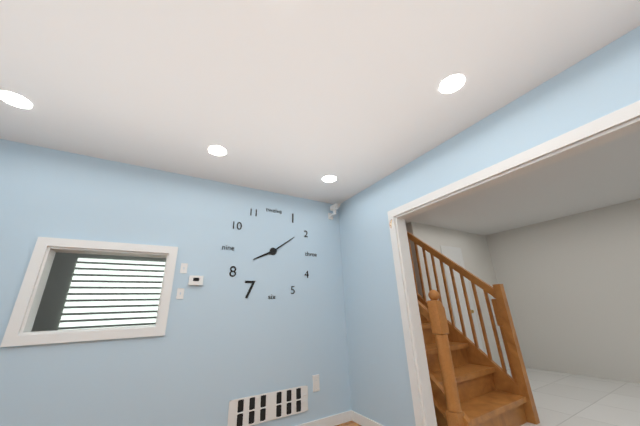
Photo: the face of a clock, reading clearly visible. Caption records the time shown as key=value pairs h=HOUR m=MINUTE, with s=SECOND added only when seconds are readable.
h=8 m=9
